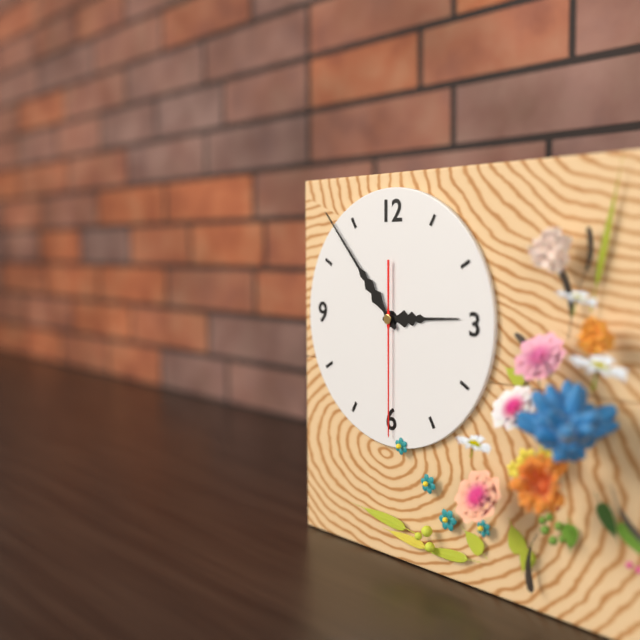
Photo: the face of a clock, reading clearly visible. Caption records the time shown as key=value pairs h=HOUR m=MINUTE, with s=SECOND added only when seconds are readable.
h=2 m=53 s=30
